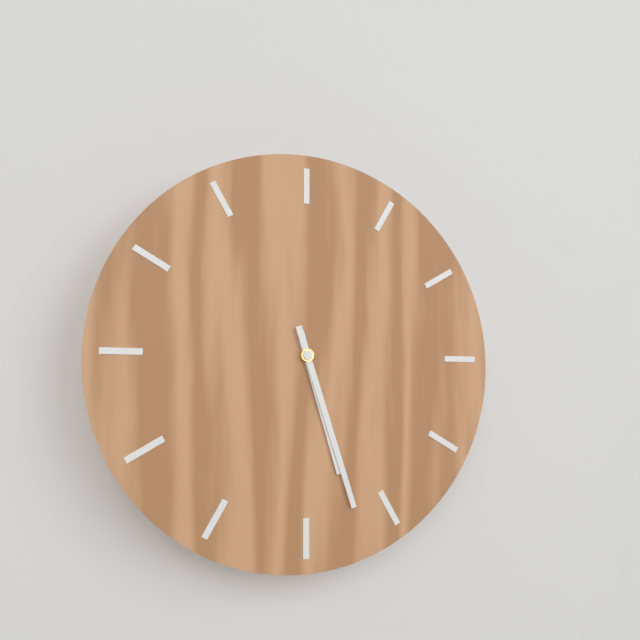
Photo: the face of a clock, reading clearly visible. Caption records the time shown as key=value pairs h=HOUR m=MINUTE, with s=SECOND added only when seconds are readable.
h=5 m=27
